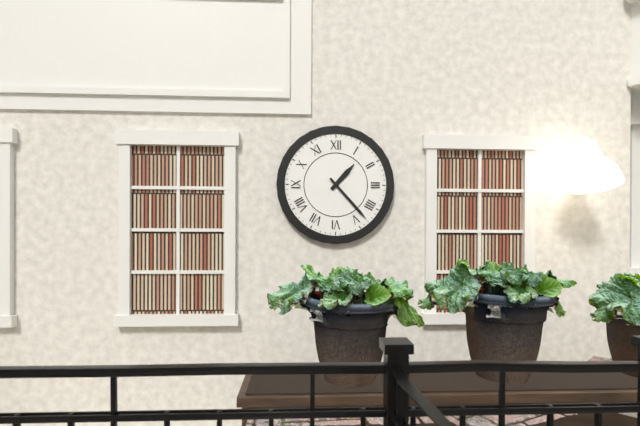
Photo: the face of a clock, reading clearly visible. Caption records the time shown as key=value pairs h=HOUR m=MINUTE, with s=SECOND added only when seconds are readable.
h=1 m=23
